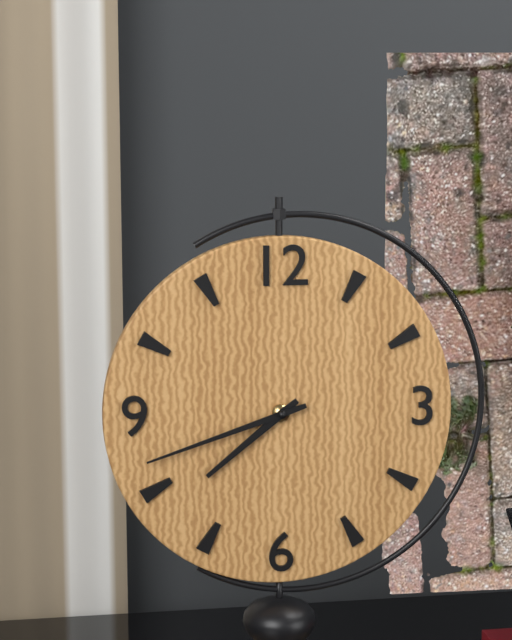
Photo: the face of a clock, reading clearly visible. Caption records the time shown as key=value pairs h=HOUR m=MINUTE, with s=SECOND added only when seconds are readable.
h=7 m=42
